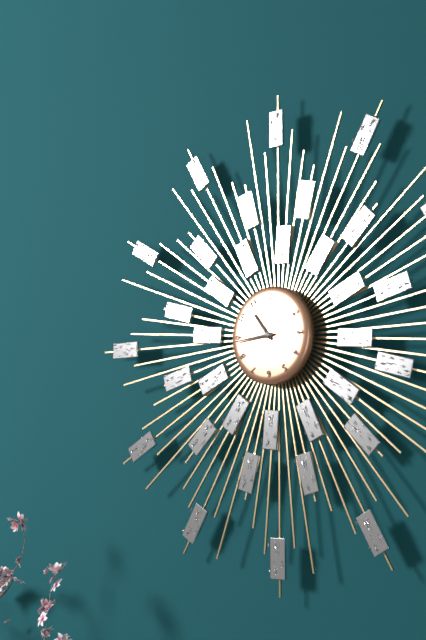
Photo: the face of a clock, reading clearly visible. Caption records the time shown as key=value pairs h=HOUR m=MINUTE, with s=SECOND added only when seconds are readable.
h=10 m=44
